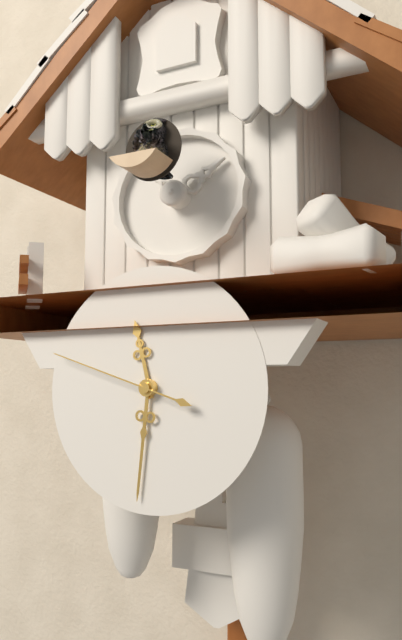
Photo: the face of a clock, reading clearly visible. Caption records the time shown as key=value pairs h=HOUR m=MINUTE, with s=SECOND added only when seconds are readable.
h=11 m=31 s=48
